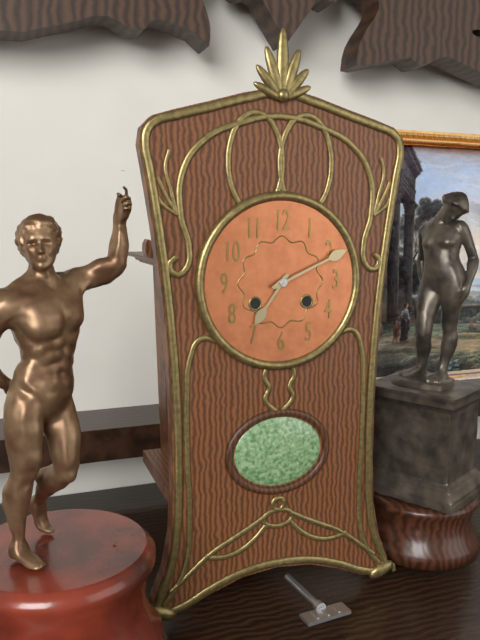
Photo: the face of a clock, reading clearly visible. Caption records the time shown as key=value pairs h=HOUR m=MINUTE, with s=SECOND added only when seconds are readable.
h=7 m=11
